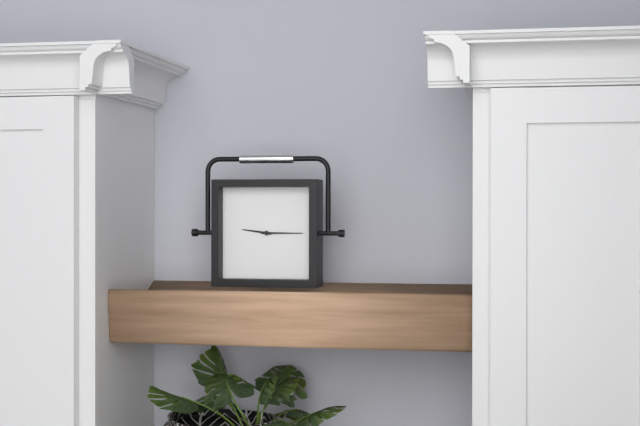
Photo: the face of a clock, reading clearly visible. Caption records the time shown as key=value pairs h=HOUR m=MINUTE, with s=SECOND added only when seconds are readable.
h=9 m=15
